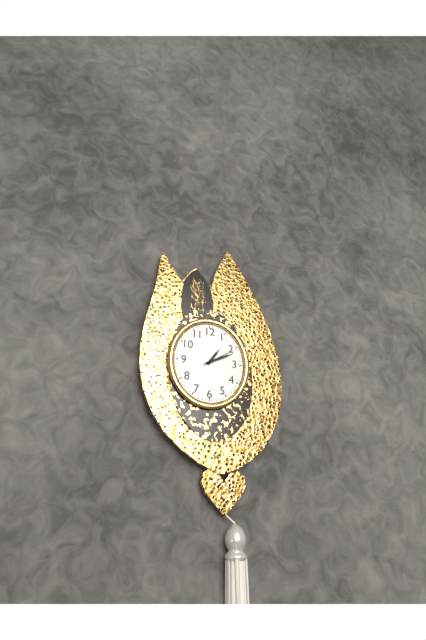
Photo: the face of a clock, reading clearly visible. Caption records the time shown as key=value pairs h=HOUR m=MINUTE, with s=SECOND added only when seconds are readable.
h=1 m=11
